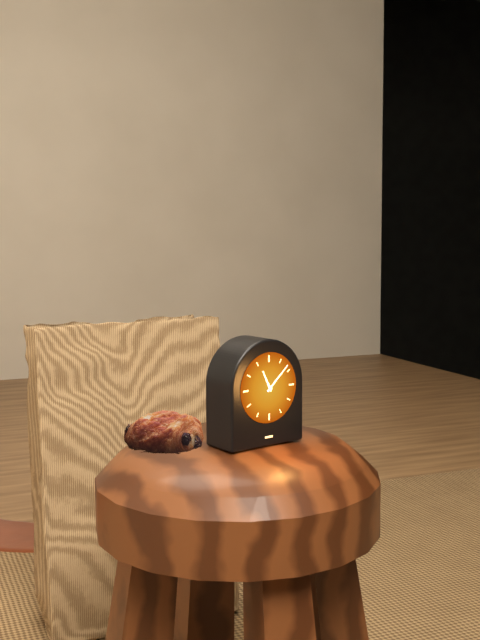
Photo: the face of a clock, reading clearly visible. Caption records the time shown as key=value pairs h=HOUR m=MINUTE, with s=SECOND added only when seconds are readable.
h=11 m=8
